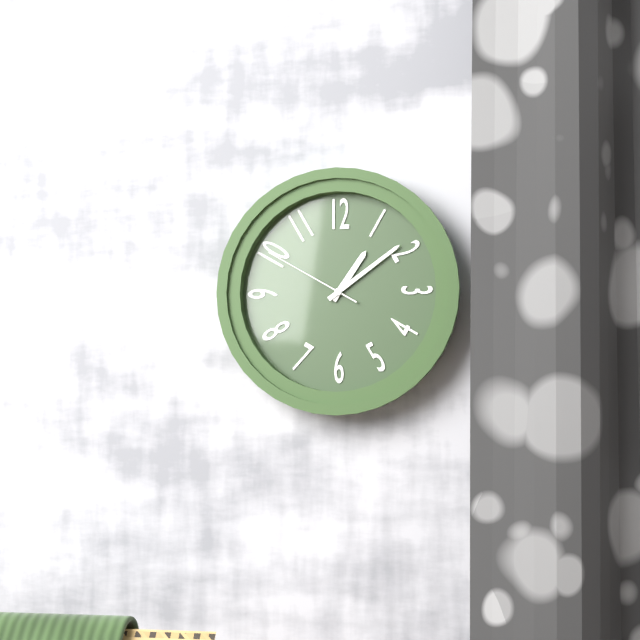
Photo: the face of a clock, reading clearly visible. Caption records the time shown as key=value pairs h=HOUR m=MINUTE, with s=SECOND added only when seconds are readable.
h=1 m=9 s=50
